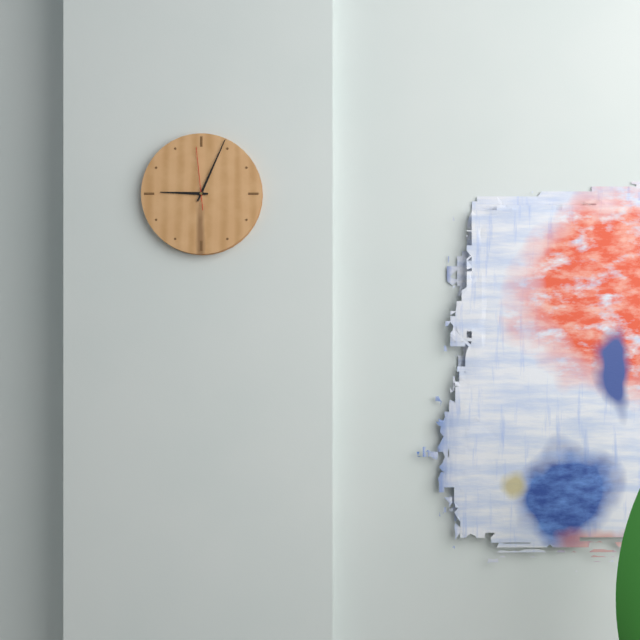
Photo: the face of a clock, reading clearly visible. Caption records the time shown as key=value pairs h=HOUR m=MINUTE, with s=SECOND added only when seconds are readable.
h=9 m=4 s=59
